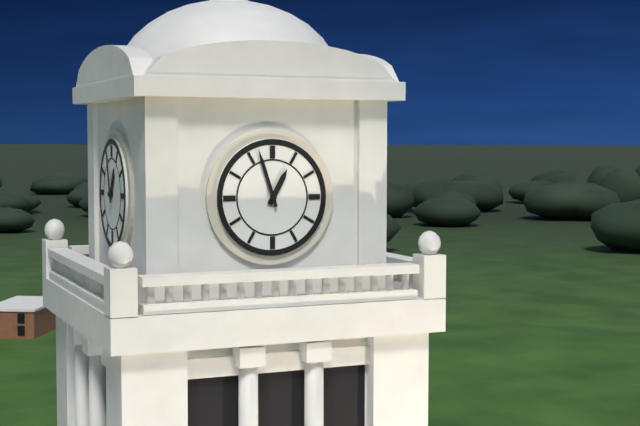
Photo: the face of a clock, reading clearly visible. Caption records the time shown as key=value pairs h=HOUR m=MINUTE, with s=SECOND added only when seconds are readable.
h=12 m=57
